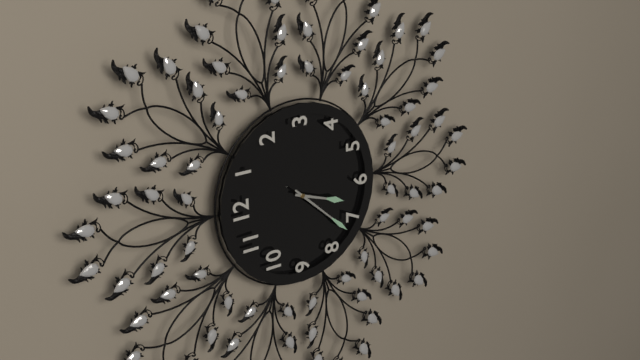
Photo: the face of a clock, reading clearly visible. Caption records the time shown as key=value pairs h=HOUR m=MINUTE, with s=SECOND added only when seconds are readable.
h=6 m=37
